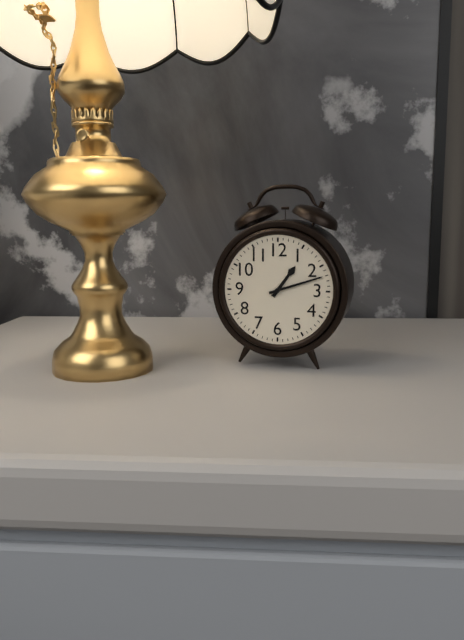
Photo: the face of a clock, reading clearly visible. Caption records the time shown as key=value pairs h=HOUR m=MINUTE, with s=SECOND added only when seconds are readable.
h=1 m=12
